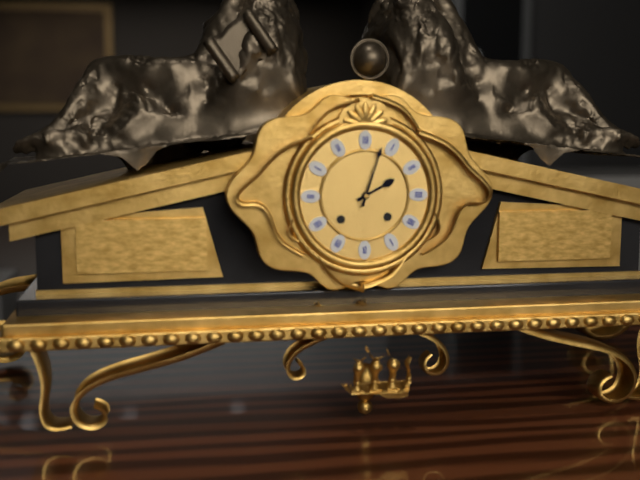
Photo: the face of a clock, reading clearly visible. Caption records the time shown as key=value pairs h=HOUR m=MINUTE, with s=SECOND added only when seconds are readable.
h=2 m=3
